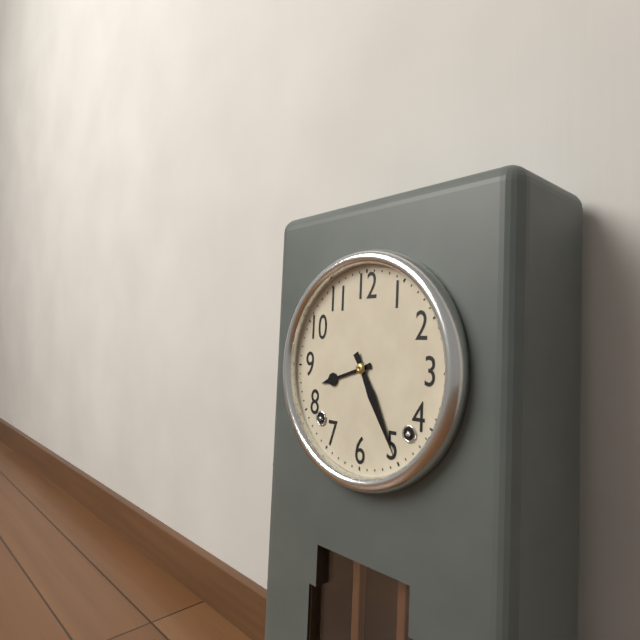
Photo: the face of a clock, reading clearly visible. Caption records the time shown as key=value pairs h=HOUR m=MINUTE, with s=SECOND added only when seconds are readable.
h=8 m=25
